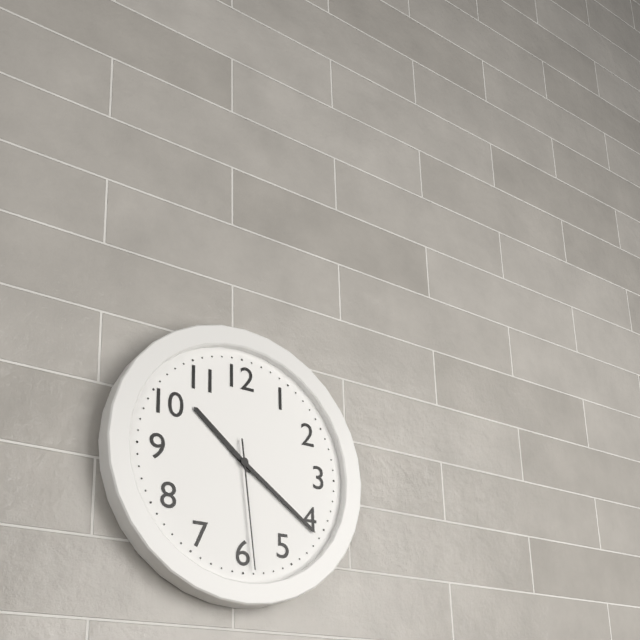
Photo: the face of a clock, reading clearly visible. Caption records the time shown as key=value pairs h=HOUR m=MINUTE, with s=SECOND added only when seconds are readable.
h=10 m=21 s=29
